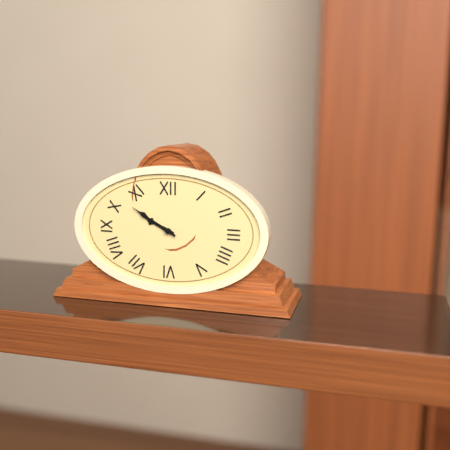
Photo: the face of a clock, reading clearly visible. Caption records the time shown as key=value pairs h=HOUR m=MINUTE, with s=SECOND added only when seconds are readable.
h=9 m=50
